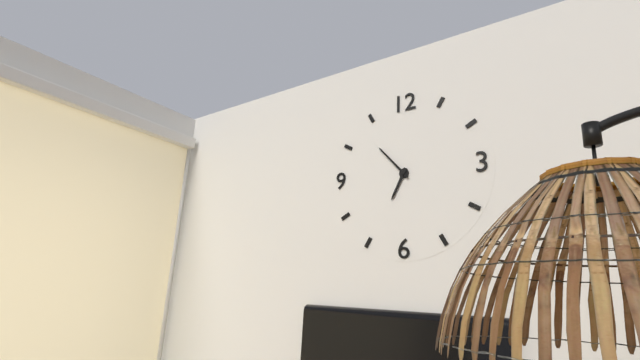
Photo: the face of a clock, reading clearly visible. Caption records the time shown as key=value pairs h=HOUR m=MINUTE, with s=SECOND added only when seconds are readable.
h=6 m=53
